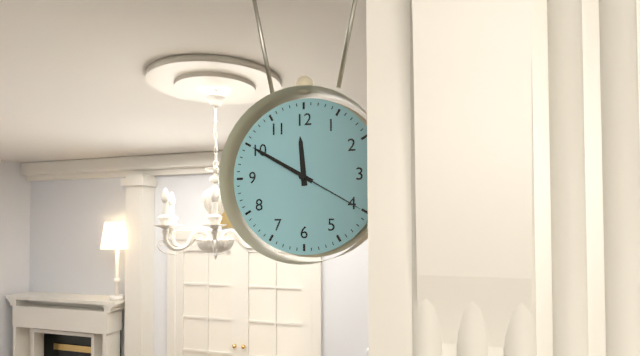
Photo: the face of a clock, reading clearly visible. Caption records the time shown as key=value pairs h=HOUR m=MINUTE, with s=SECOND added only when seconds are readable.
h=11 m=50 s=20
